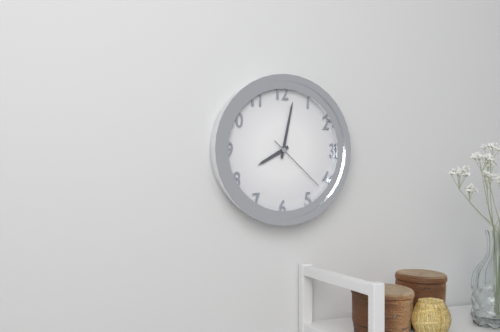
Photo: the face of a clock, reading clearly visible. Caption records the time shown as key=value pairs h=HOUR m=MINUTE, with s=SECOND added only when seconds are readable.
h=8 m=2 s=22
